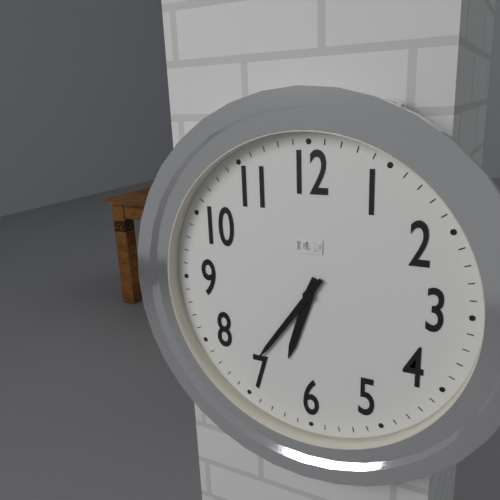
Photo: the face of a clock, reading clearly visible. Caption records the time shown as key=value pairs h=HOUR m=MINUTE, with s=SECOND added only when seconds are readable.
h=6 m=36
